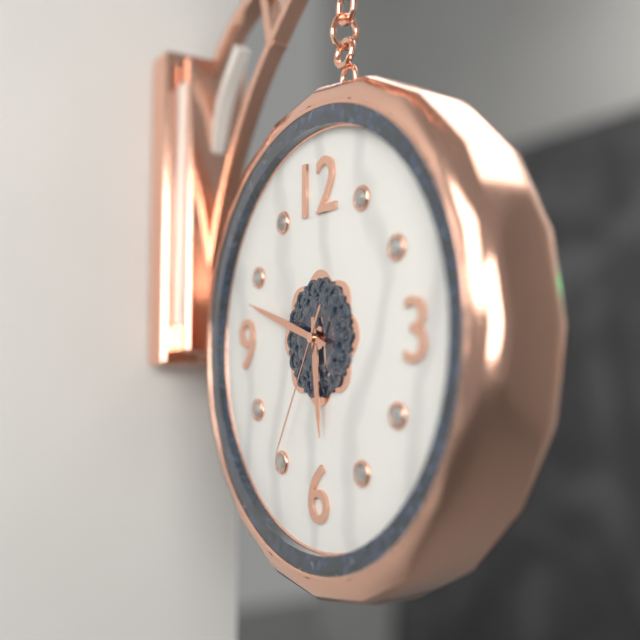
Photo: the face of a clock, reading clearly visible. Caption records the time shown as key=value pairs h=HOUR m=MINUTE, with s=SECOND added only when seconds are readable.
h=5 m=48 s=35
